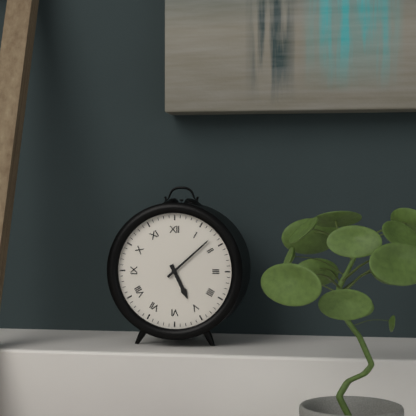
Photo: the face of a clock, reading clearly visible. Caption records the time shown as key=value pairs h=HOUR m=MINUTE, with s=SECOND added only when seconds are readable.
h=5 m=8
